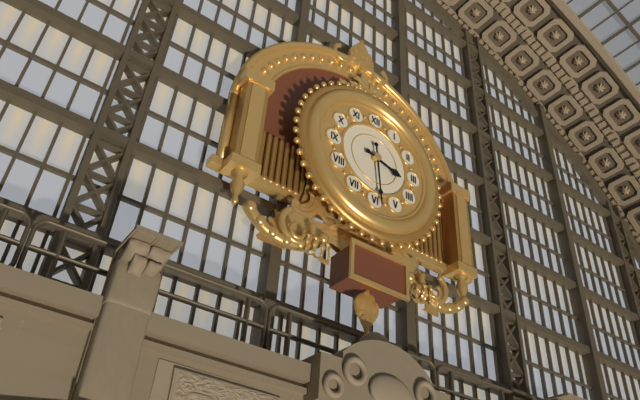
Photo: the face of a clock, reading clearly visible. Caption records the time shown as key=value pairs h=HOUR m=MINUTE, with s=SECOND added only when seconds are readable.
h=3 m=29
